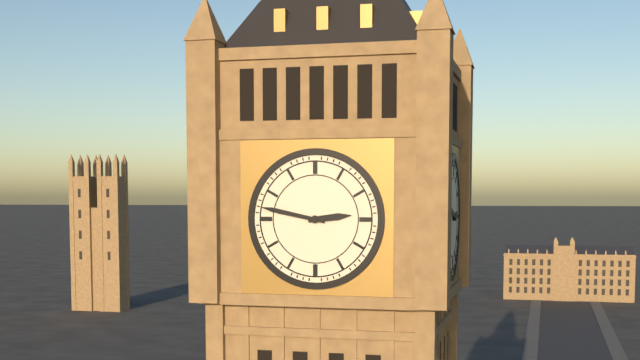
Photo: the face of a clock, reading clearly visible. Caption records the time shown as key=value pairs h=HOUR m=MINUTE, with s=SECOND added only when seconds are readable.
h=2 m=47
